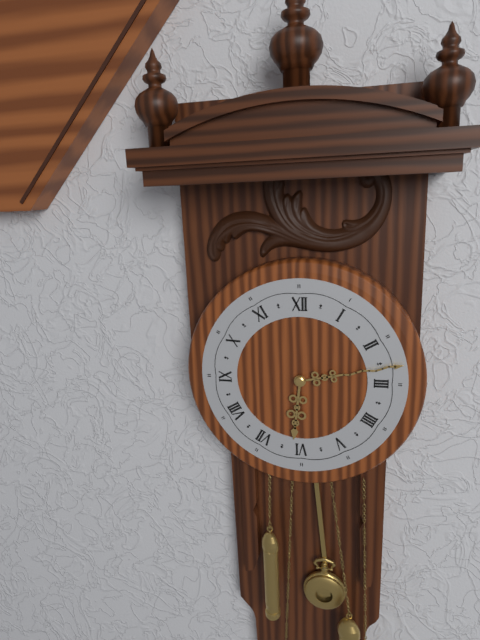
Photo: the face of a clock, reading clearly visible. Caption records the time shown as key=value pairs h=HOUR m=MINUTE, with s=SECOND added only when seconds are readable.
h=6 m=13
